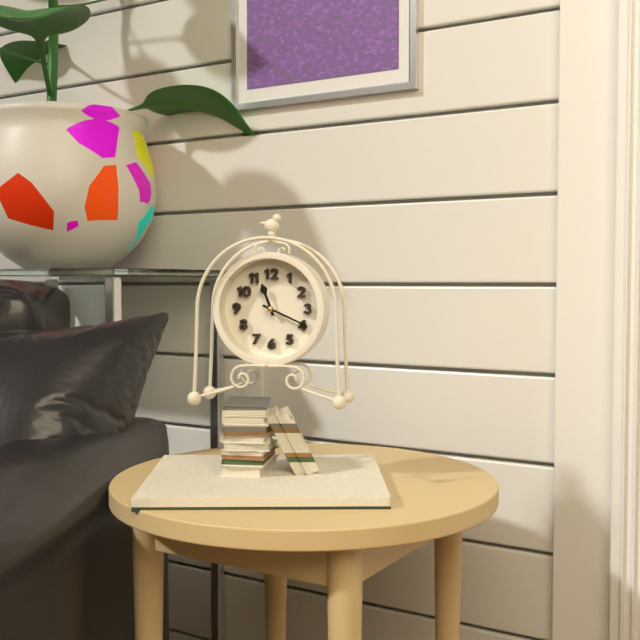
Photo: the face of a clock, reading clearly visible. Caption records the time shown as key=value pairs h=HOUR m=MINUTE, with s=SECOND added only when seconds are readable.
h=11 m=19
